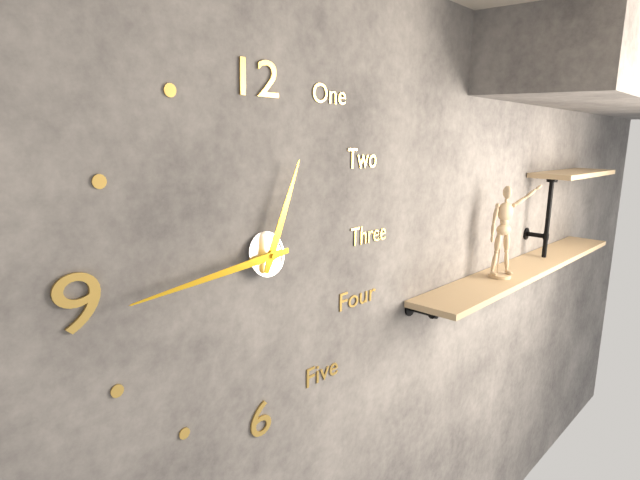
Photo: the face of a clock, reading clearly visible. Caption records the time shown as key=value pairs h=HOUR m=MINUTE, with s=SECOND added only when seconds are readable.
h=12 m=44
